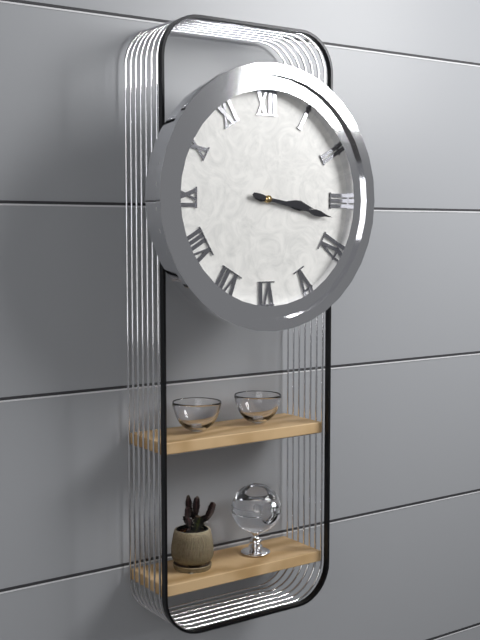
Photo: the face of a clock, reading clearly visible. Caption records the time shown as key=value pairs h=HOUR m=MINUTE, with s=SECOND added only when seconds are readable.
h=3 m=17
